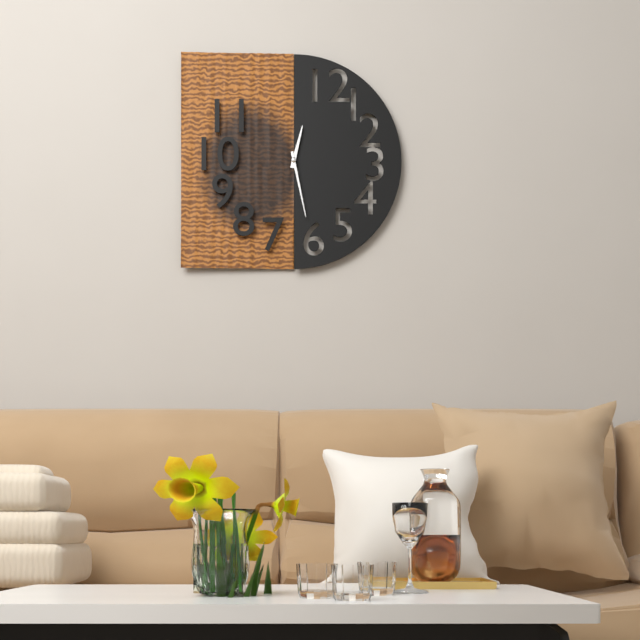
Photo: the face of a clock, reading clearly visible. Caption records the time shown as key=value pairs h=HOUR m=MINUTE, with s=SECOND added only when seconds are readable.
h=12 m=28
